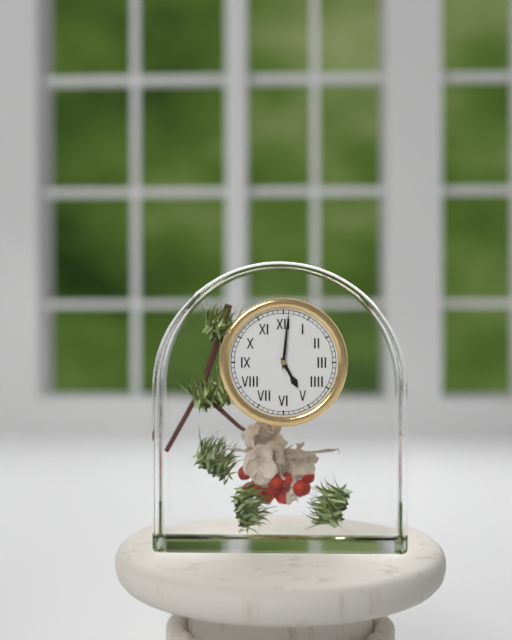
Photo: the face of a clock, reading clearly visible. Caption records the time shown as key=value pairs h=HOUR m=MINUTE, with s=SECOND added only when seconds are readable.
h=5 m=1
